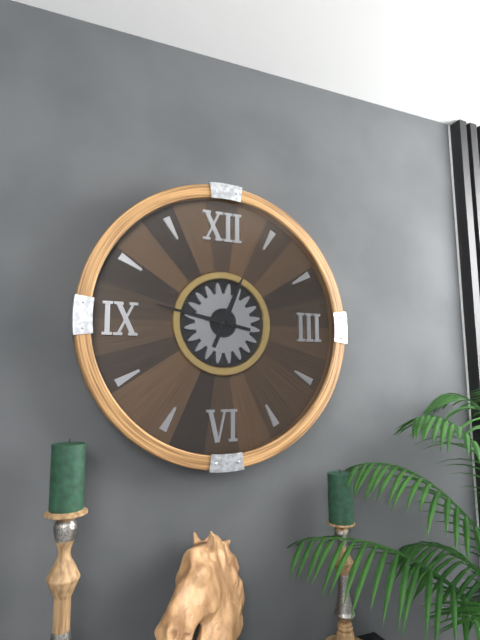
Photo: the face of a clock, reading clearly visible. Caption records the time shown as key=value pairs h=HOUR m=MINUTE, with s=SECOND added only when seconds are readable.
h=12 m=47
